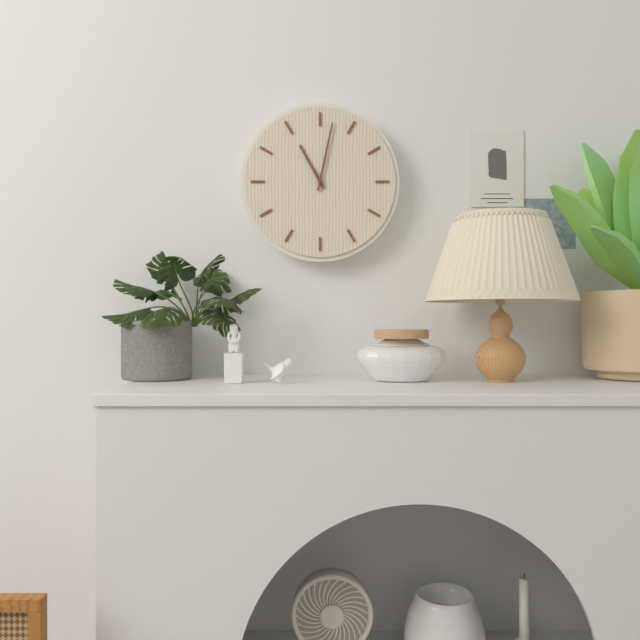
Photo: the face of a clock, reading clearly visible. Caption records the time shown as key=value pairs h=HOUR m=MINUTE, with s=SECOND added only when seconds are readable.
h=11 m=2
